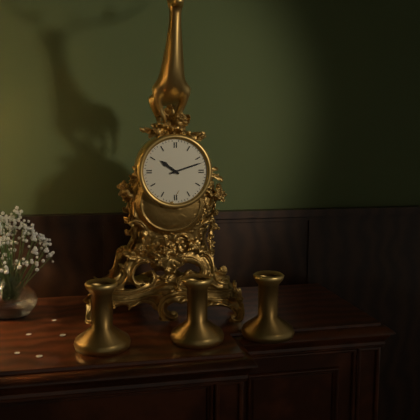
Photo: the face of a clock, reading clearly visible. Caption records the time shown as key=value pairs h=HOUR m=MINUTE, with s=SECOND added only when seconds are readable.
h=10 m=12
